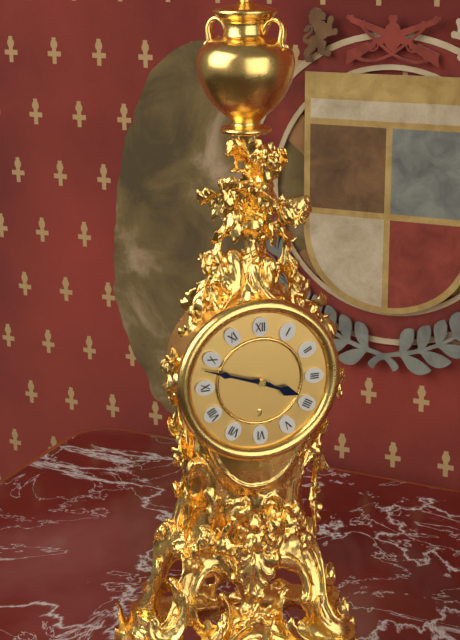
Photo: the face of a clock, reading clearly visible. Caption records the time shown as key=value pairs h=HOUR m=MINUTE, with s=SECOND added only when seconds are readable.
h=3 m=48
